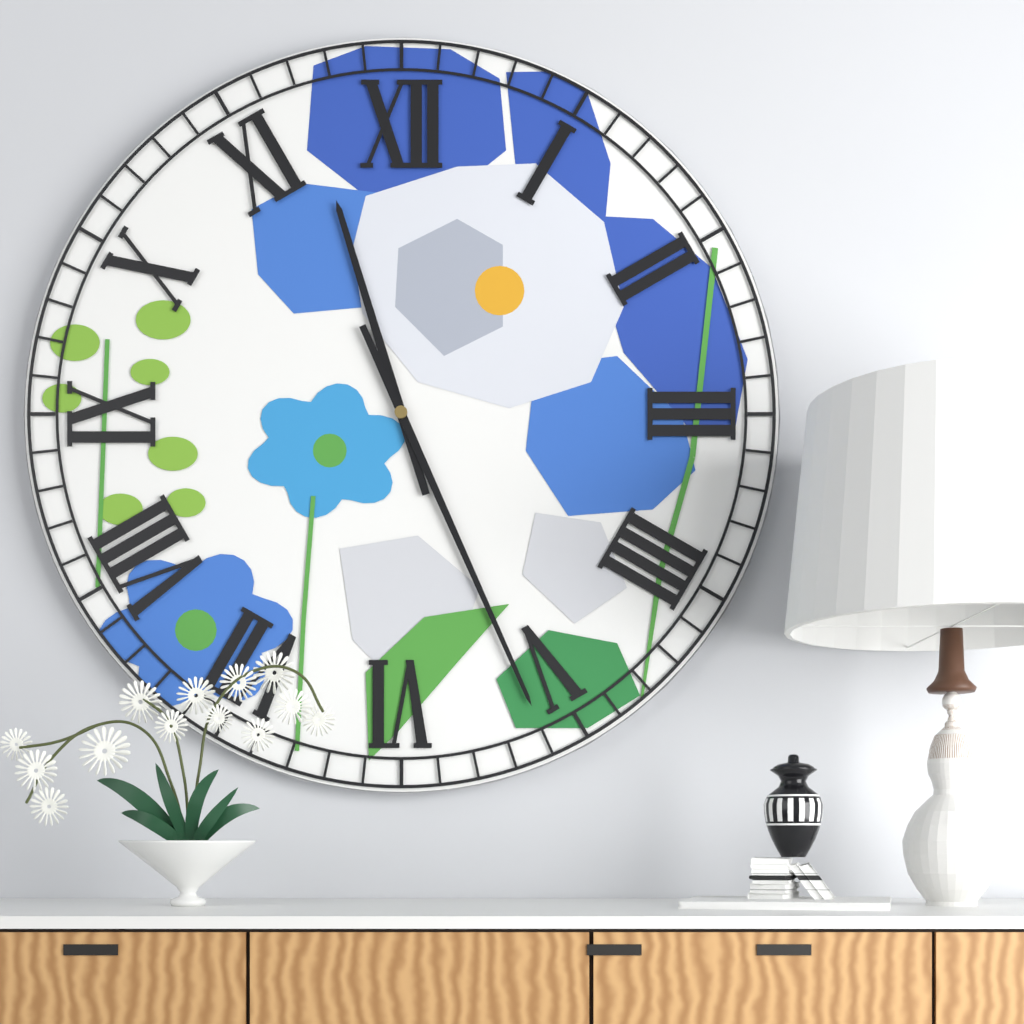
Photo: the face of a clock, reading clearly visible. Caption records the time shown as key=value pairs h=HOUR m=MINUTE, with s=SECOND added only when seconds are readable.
h=11 m=26
